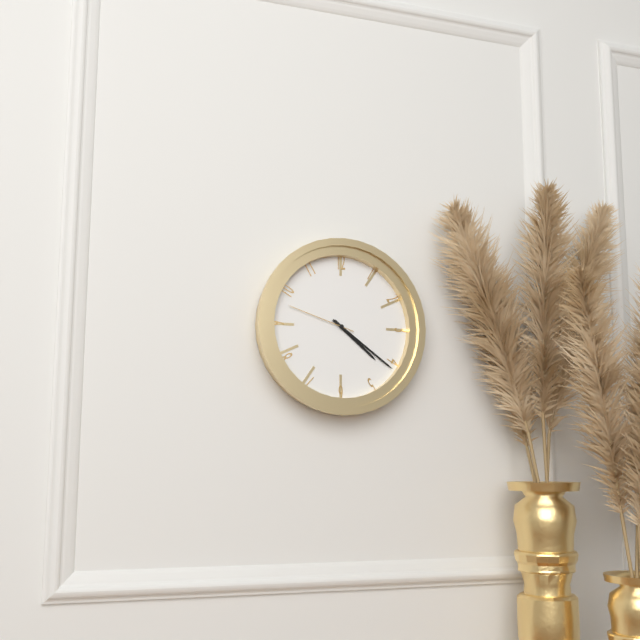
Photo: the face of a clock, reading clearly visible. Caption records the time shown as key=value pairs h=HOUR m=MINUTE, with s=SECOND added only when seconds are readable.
h=4 m=21 s=48
